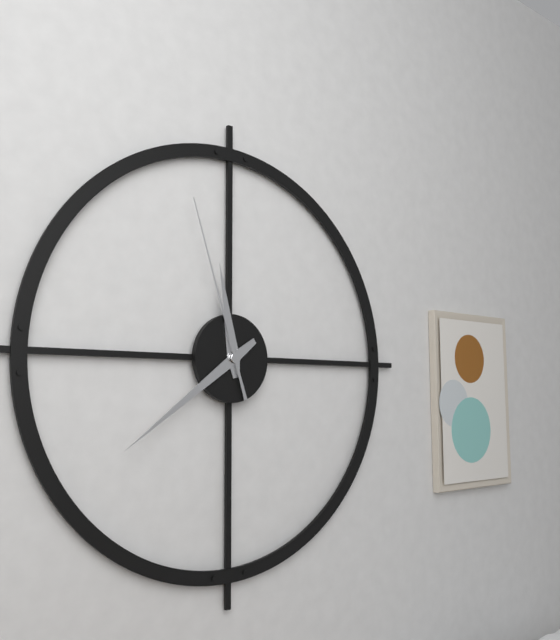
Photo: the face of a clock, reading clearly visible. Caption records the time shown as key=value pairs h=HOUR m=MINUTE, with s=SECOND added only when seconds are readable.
h=11 m=39 s=57
